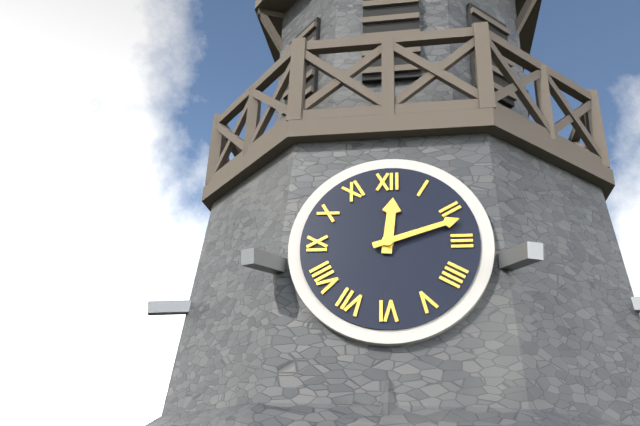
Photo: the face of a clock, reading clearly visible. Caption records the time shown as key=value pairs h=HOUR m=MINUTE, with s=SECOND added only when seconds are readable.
h=12 m=12
